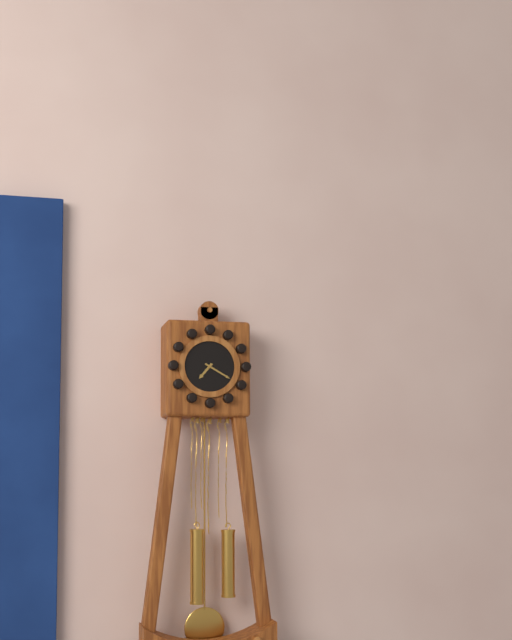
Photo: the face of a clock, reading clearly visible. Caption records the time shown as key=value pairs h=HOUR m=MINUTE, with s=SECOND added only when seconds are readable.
h=7 m=20
